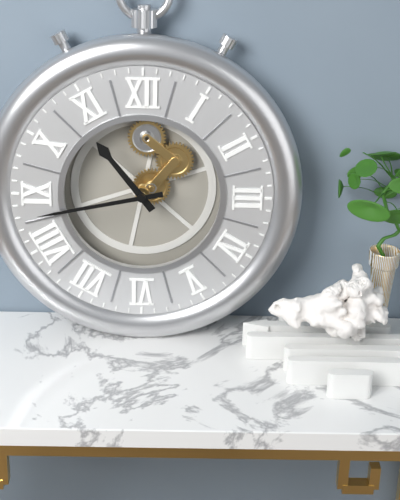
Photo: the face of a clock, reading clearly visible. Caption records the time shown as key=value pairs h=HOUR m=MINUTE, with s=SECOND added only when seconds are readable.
h=10 m=43
